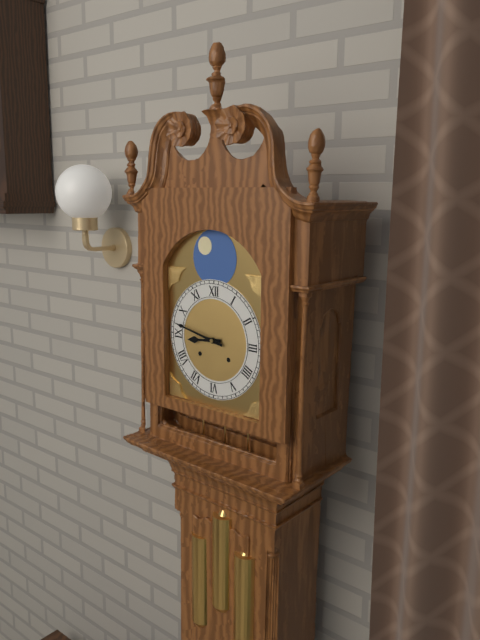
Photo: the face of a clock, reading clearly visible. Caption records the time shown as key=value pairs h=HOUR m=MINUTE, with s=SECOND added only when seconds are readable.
h=8 m=47
